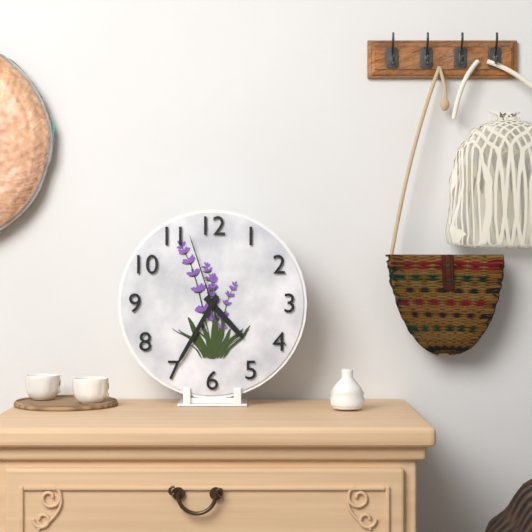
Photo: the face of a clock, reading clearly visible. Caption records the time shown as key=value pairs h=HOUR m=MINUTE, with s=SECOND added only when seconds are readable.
h=4 m=35 s=57
